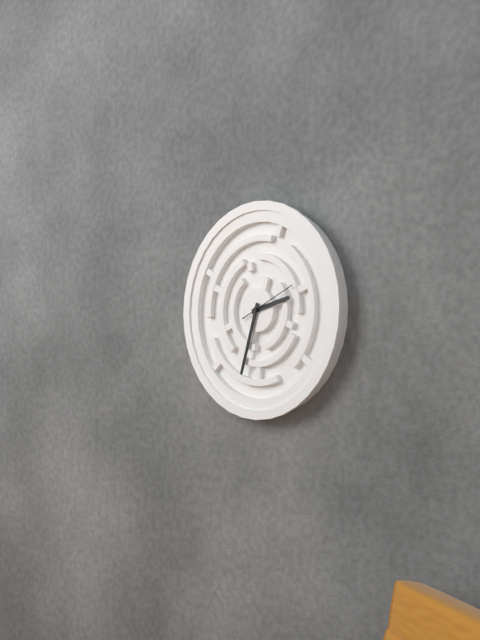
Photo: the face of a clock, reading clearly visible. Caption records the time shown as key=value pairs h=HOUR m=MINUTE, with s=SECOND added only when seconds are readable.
h=2 m=33 s=11
